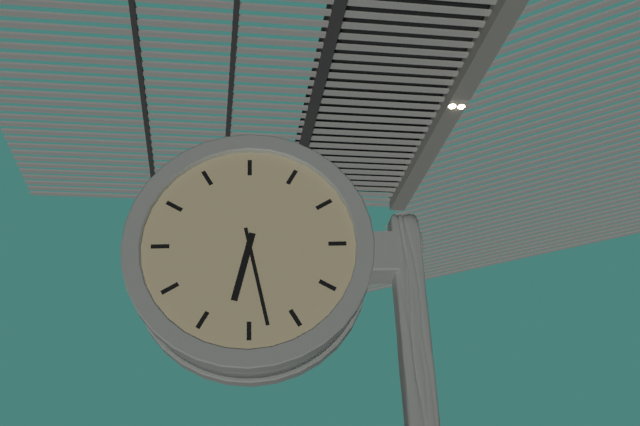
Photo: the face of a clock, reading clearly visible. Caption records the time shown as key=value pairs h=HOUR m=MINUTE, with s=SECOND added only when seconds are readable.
h=6 m=28
